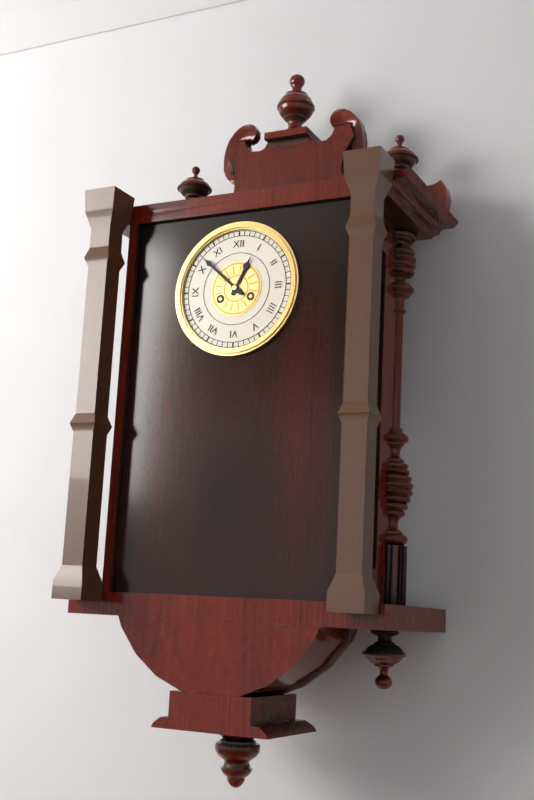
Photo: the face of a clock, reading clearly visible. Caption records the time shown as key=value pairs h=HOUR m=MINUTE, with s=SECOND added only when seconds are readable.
h=12 m=52
